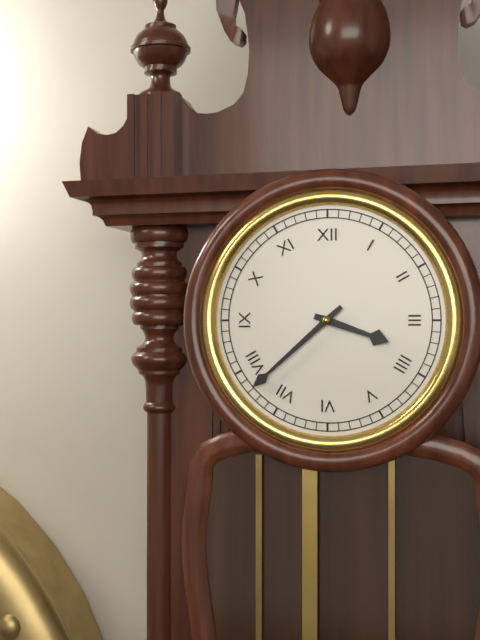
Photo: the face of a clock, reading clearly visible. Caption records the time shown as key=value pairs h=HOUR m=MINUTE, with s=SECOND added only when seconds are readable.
h=3 m=38
